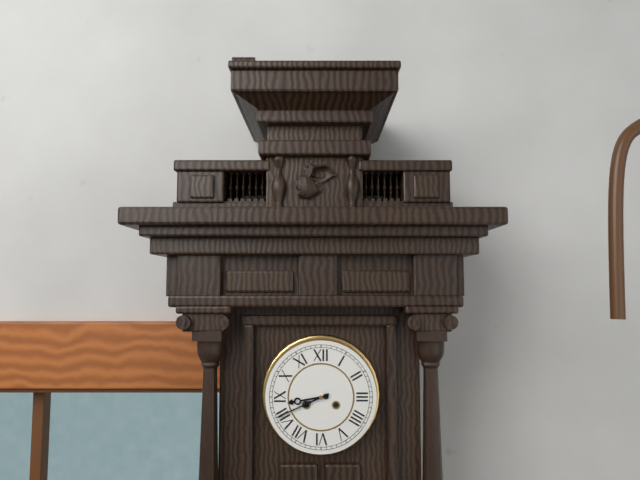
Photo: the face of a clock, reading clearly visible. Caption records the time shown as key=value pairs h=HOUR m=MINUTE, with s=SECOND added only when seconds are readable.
h=8 m=41
